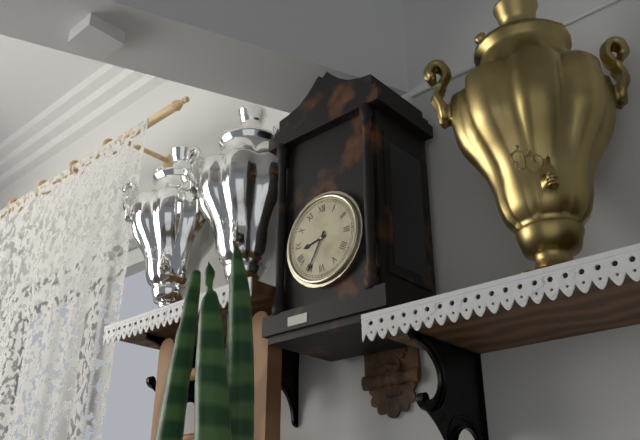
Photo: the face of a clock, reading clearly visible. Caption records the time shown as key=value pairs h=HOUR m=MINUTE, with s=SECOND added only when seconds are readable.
h=8 m=35
